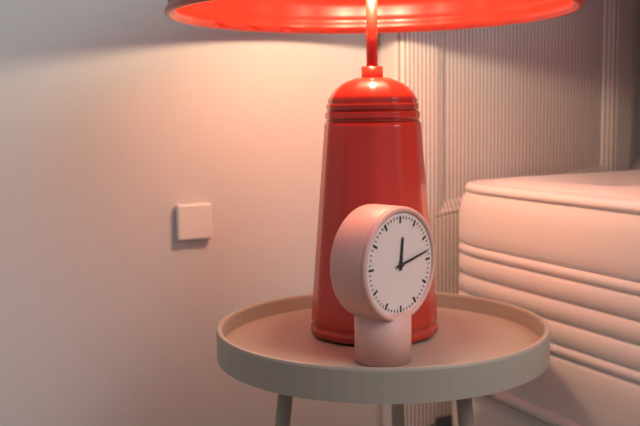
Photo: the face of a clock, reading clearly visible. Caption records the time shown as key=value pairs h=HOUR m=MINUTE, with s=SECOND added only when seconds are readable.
h=12 m=13
